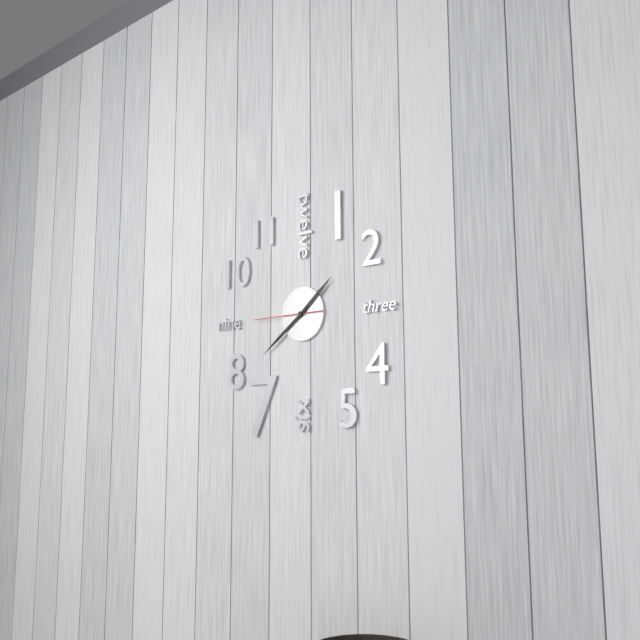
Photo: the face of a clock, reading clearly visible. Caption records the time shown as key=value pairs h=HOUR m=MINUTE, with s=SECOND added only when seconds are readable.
h=1 m=39 s=45
